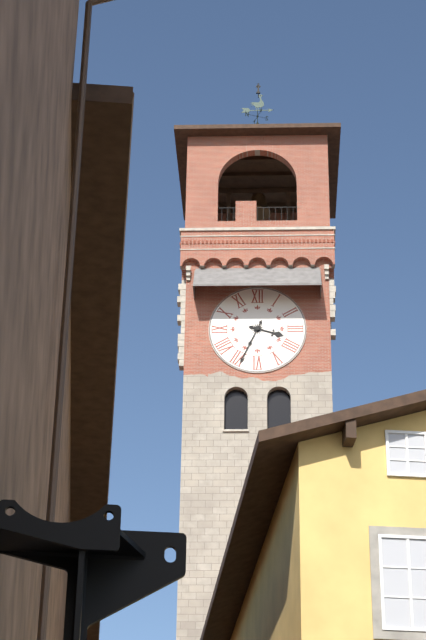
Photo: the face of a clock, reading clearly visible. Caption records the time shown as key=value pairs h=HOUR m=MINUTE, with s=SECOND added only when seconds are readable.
h=3 m=34
